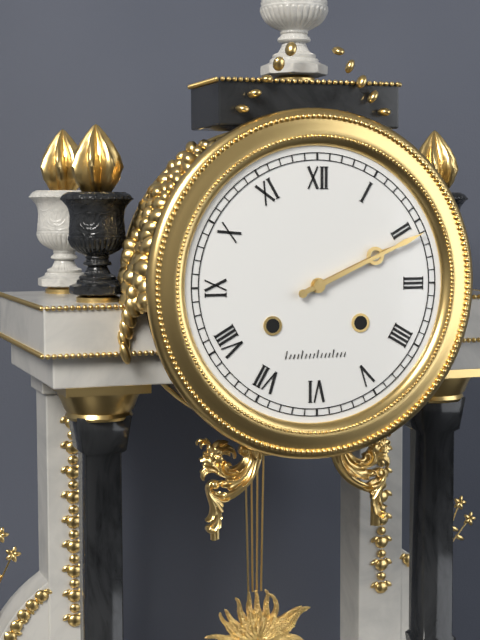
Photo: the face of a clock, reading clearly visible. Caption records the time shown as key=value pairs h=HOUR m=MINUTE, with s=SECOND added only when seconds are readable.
h=2 m=11
